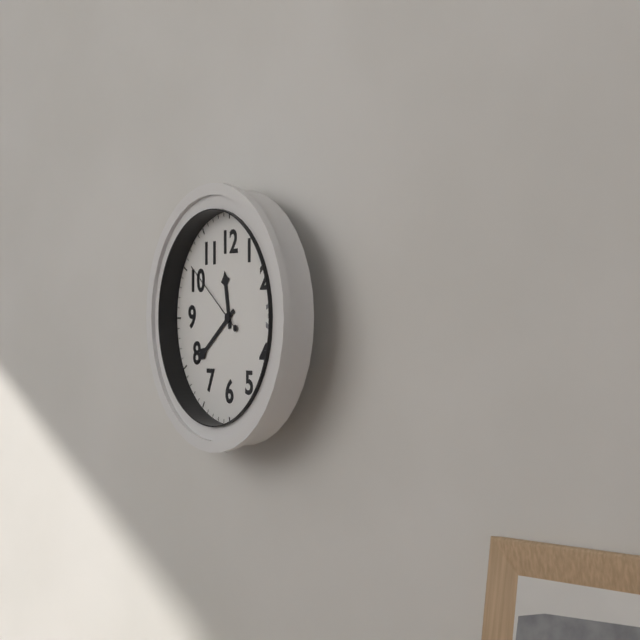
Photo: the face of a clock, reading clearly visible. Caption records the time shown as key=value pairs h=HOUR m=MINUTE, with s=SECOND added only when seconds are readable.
h=11 m=39 s=51
